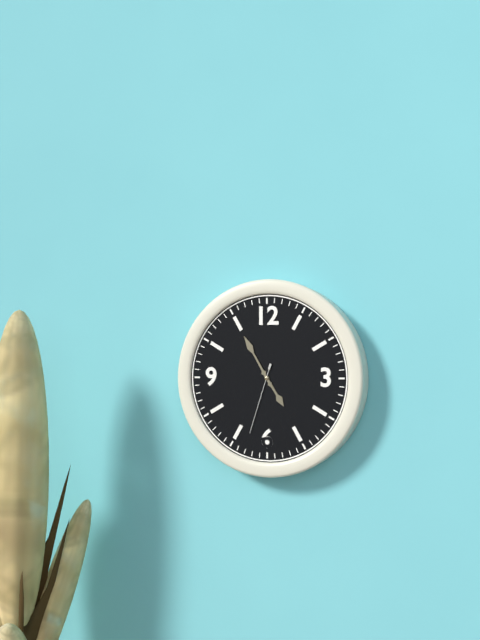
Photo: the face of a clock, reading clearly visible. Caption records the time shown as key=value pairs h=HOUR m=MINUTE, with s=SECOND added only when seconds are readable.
h=4 m=55 s=33
